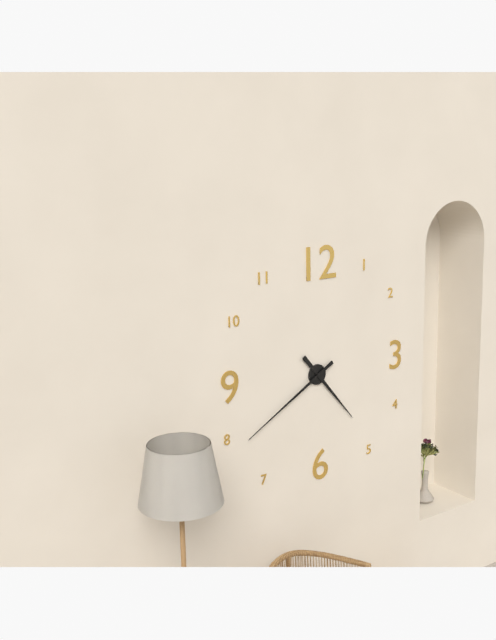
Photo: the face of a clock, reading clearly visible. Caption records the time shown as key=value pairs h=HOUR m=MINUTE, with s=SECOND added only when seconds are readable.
h=4 m=40
